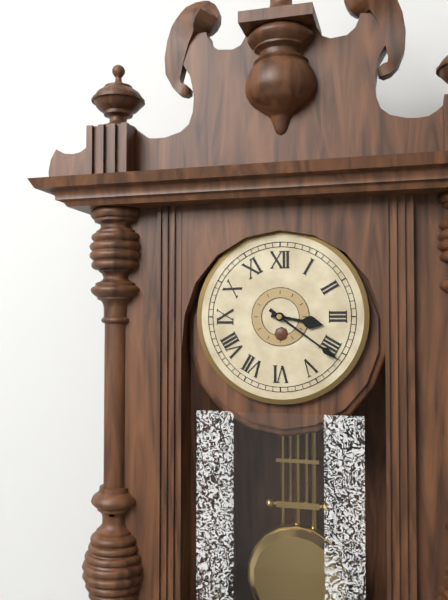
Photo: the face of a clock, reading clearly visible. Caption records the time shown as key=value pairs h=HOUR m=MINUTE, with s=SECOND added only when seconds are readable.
h=3 m=21
